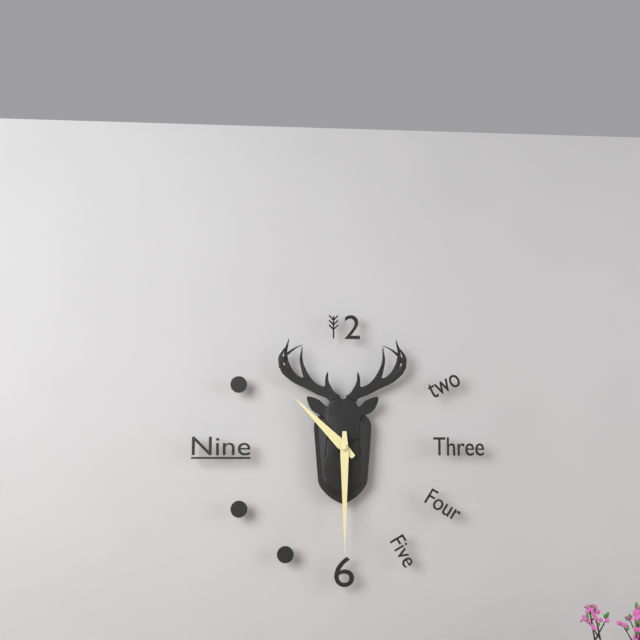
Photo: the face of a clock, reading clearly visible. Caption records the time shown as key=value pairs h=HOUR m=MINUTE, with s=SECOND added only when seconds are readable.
h=10 m=30
